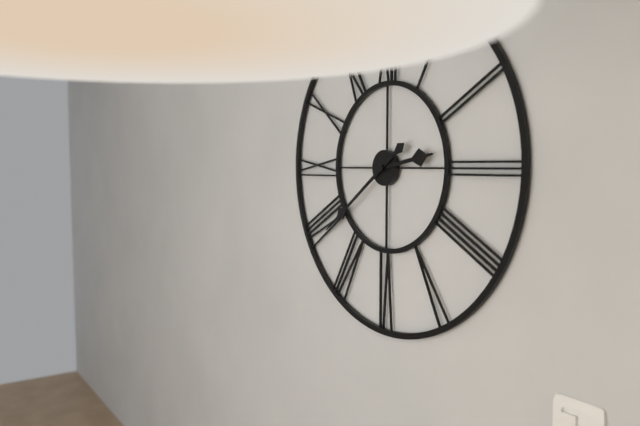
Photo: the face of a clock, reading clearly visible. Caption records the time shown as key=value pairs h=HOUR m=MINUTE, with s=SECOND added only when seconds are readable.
h=2 m=39
